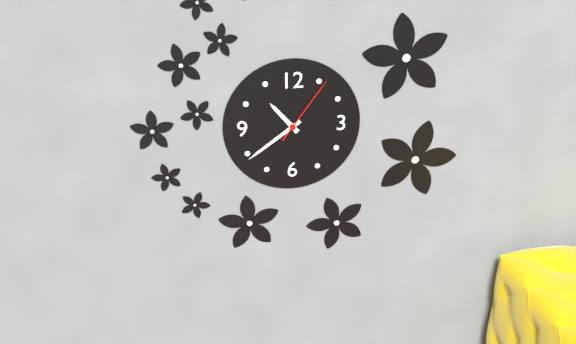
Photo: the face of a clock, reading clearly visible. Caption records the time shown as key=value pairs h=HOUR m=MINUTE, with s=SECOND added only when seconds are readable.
h=10 m=39 s=6
